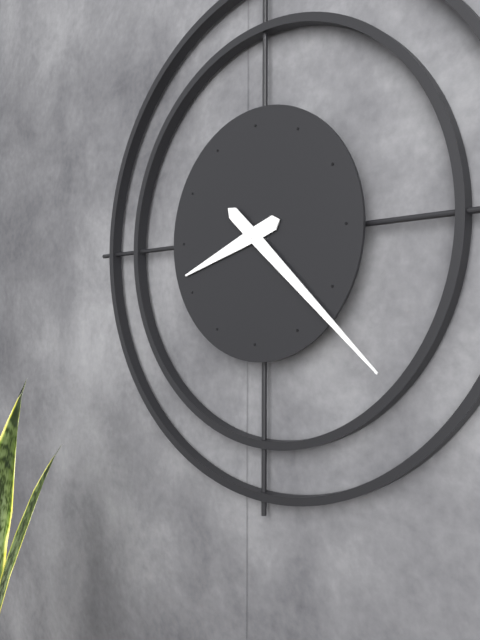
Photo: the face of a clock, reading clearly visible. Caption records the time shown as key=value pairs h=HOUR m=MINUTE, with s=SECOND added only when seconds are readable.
h=8 m=22
